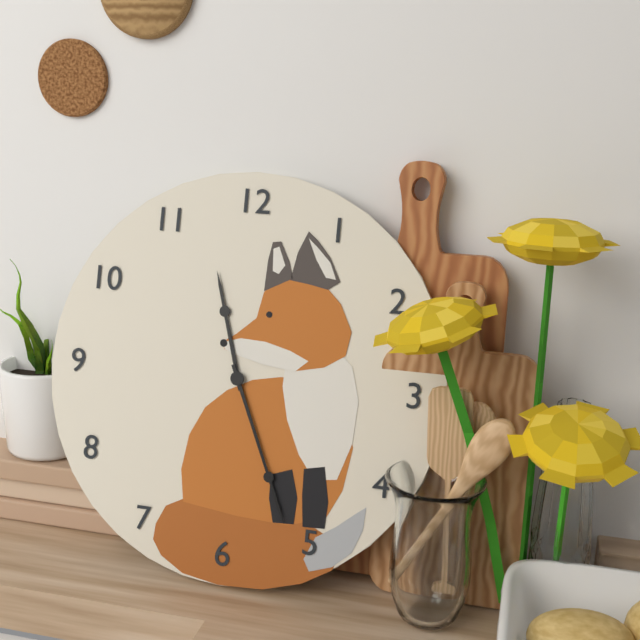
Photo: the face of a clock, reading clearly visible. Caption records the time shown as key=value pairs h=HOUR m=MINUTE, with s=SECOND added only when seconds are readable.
h=11 m=26
